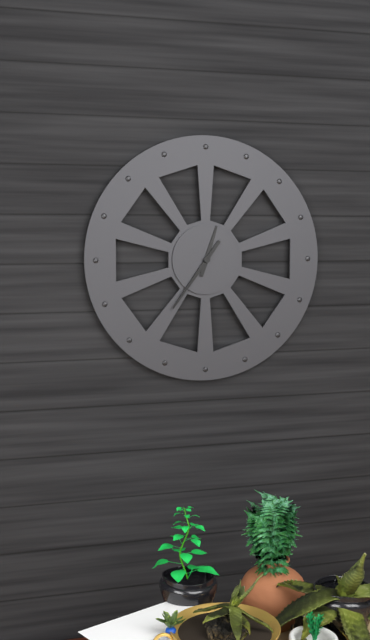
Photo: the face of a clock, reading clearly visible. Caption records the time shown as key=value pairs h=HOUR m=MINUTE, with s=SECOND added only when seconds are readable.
h=12 m=36
